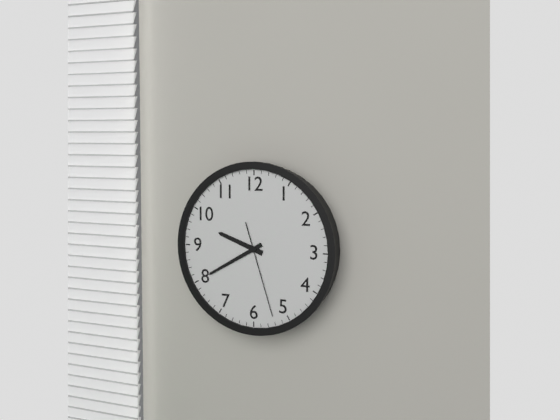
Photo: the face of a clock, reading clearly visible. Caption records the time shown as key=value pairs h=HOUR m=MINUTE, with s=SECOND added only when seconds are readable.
h=9 m=40 s=27
